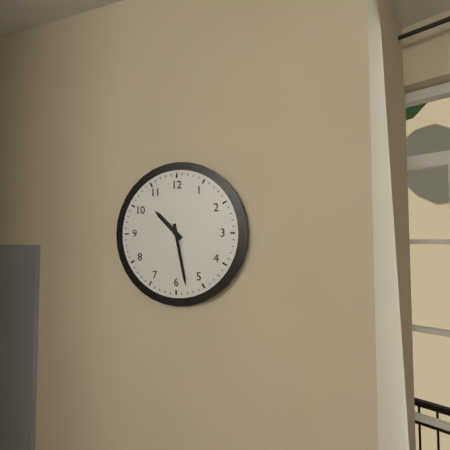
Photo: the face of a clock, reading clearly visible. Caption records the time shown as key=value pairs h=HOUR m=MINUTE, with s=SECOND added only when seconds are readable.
h=10 m=28
